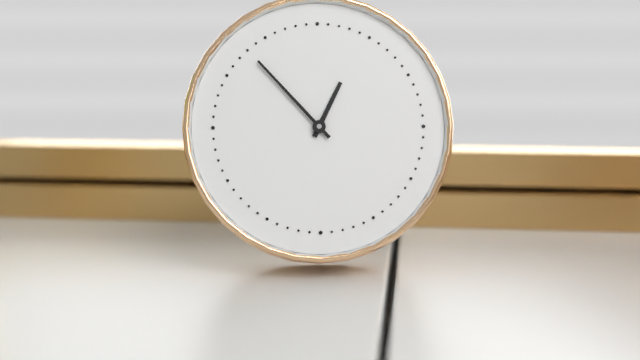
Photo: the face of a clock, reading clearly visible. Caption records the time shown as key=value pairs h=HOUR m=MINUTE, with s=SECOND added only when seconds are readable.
h=12 m=53
